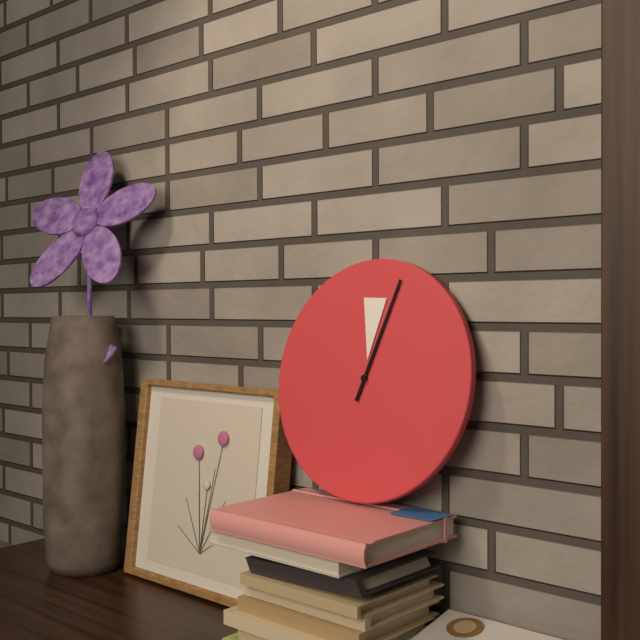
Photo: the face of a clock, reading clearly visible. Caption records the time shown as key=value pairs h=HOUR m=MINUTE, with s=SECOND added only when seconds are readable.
h=12 m=3
